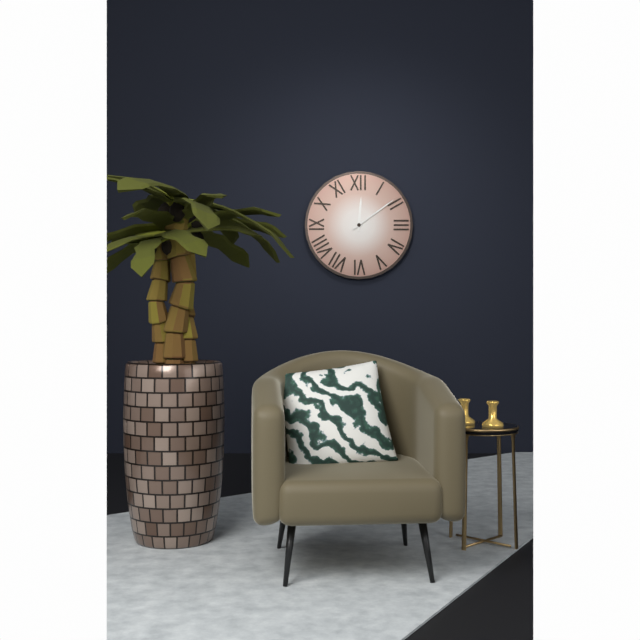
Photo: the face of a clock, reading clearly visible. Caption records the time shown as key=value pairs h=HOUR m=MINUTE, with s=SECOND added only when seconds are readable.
h=12 m=9
